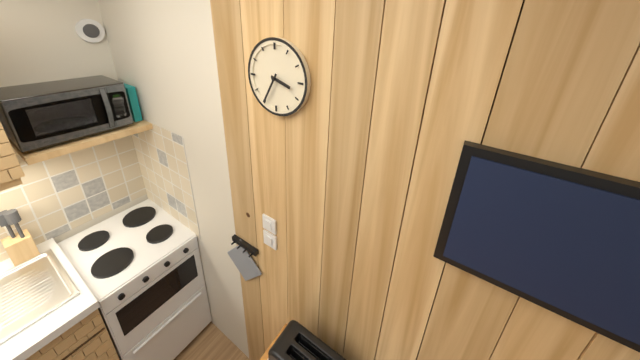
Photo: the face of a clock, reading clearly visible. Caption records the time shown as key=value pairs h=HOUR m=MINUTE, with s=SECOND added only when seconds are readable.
h=3 m=35
